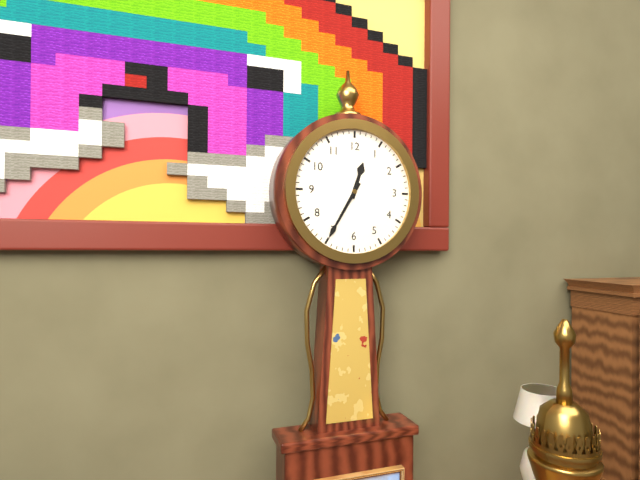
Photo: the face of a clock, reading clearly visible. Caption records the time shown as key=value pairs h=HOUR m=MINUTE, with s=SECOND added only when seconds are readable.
h=12 m=35
